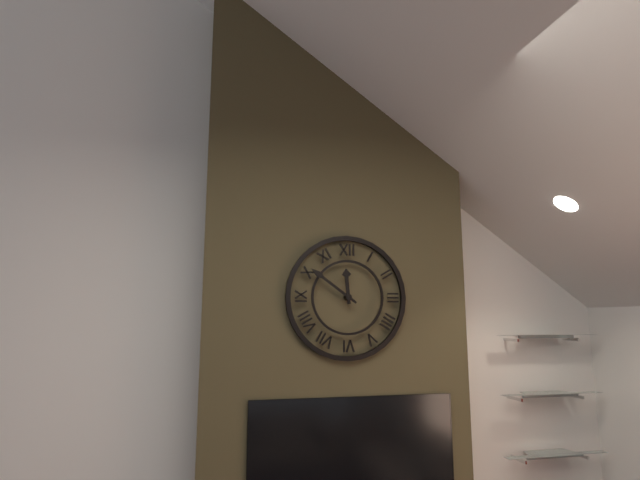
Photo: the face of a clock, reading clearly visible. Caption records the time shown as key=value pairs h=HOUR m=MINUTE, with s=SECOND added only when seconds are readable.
h=11 m=51
